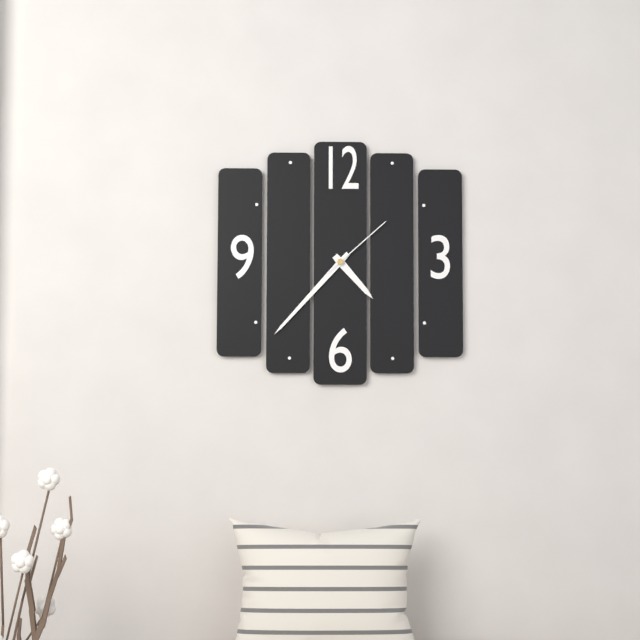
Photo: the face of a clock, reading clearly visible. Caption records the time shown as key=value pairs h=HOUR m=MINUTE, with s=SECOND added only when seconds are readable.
h=4 m=37 s=8
